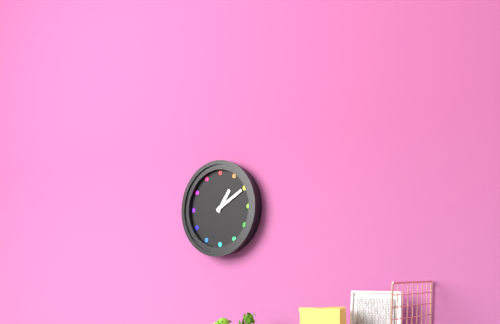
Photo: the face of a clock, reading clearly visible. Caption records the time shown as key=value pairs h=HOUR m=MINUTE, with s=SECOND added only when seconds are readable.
h=1 m=10
